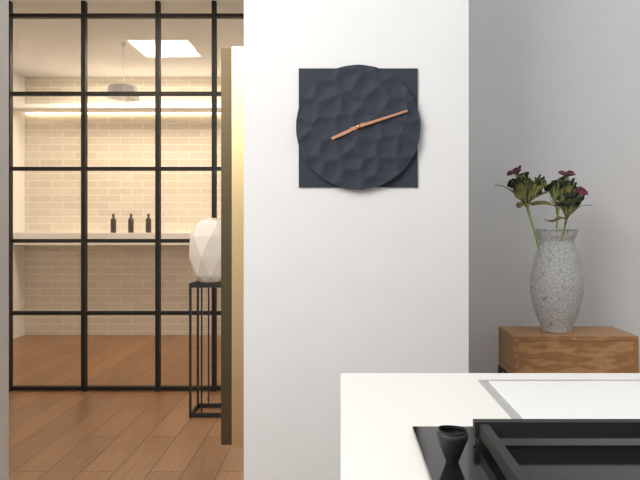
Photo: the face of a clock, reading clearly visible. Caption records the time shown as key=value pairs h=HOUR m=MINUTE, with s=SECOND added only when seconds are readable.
h=8 m=12
